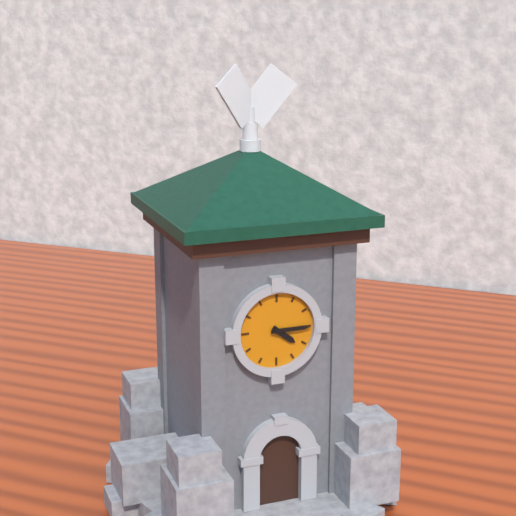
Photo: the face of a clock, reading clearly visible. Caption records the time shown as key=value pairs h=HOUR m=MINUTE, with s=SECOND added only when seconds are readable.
h=4 m=15
